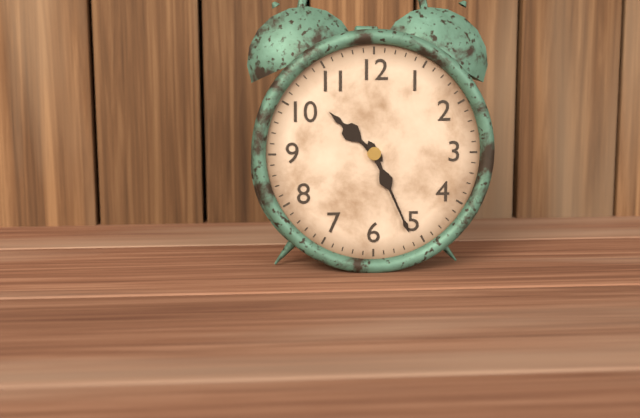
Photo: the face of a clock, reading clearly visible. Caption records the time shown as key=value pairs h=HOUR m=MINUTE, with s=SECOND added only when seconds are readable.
h=10 m=26
